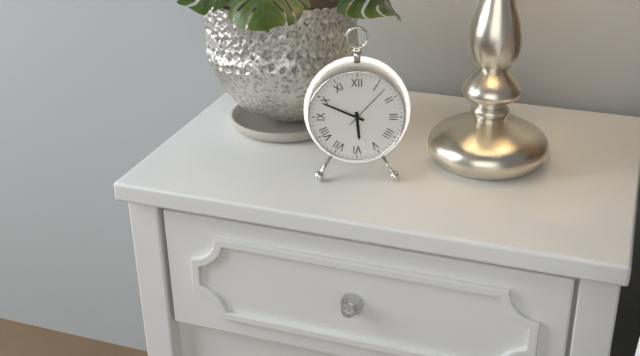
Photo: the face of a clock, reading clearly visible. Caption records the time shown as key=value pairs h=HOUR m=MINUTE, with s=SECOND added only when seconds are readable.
h=5 m=49
